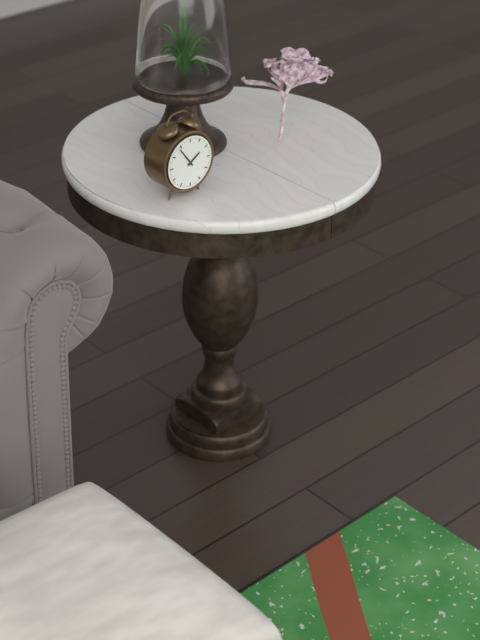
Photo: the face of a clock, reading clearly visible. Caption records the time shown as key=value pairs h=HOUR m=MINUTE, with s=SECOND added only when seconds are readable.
h=1 m=54
